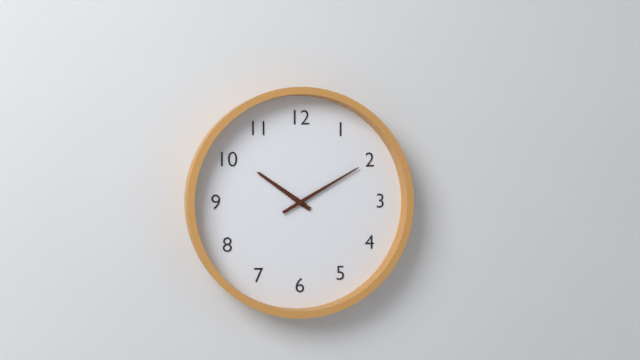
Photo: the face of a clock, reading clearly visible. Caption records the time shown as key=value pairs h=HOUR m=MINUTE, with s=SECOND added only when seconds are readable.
h=10 m=10
